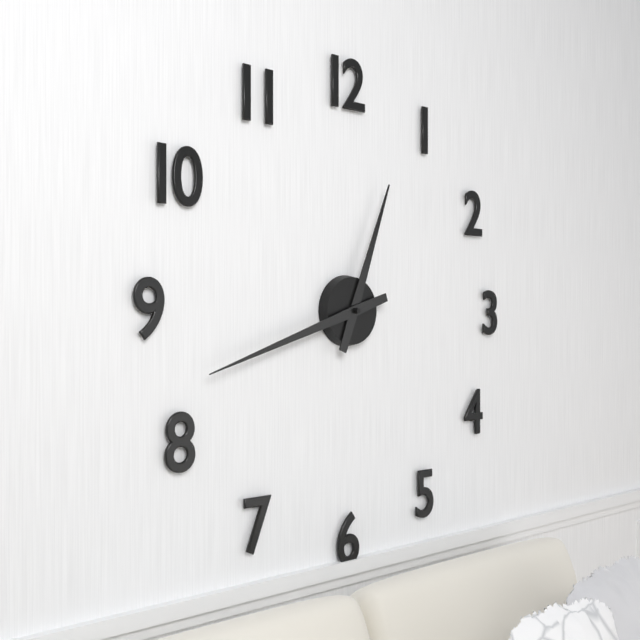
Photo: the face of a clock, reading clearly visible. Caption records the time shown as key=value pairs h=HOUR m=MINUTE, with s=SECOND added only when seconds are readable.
h=12 m=42
